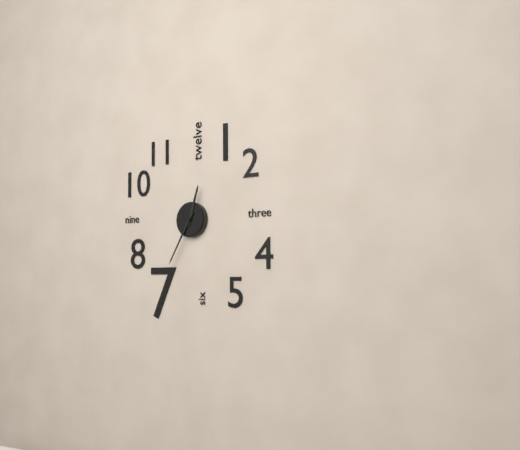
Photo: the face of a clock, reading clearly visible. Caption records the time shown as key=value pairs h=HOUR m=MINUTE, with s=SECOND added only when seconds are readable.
h=12 m=35
